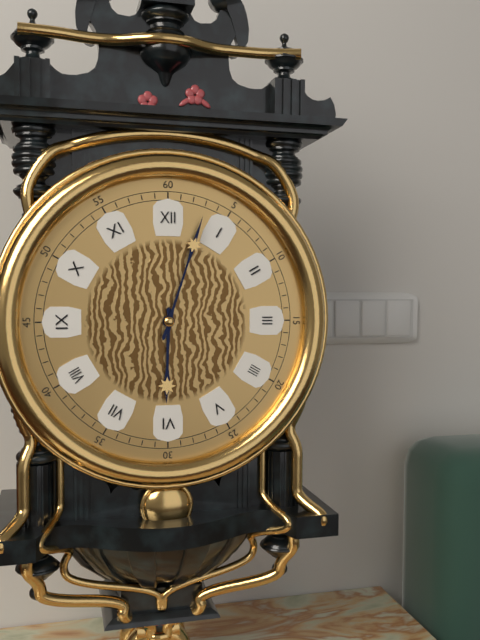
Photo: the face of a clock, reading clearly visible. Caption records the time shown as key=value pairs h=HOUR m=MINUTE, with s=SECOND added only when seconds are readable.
h=6 m=3
